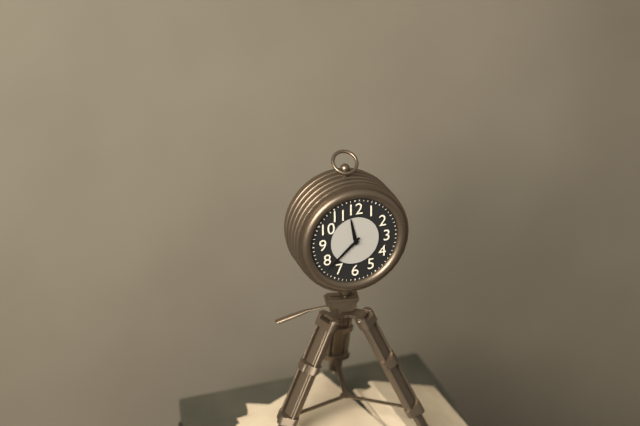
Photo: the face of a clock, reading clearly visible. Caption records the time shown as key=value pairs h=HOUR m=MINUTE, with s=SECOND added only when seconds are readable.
h=11 m=38
